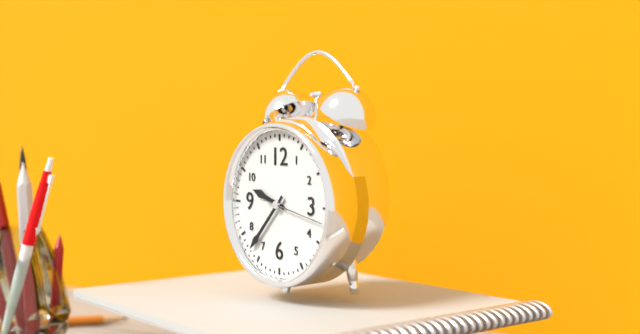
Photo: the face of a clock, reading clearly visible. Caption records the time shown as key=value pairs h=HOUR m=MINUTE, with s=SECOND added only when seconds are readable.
h=9 m=37 s=17
